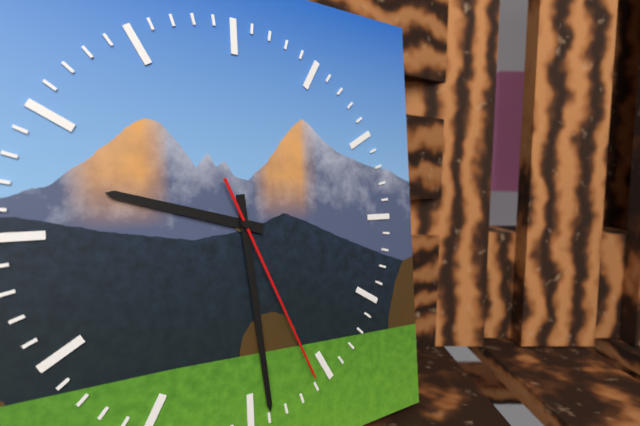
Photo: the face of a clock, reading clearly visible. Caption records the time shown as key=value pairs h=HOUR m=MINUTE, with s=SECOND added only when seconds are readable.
h=9 m=29 s=26
